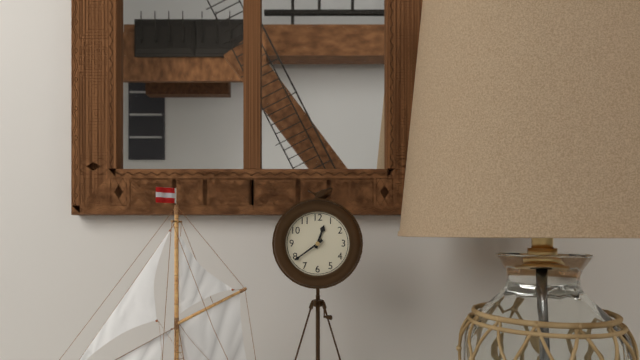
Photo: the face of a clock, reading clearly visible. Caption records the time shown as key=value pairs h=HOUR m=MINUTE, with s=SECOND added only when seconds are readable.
h=12 m=39
